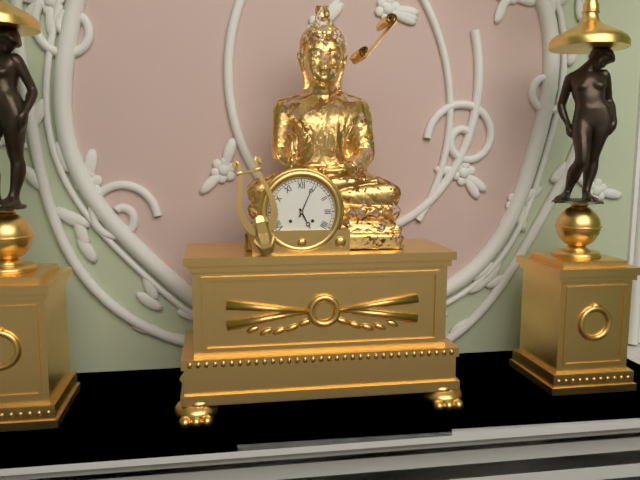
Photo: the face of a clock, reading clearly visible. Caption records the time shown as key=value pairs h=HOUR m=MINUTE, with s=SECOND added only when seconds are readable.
h=5 m=4
